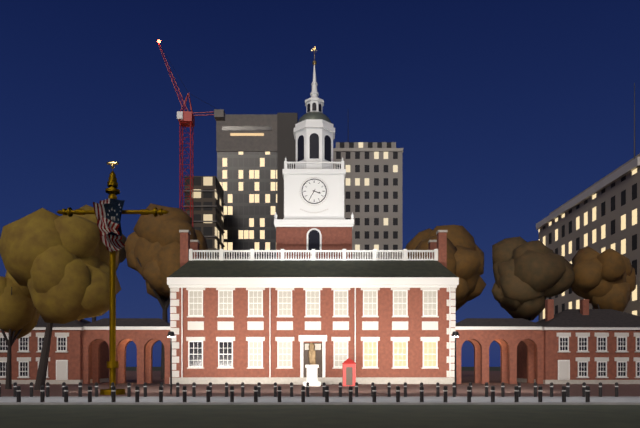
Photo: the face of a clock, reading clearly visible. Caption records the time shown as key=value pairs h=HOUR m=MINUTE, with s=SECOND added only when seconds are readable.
h=3 m=35
